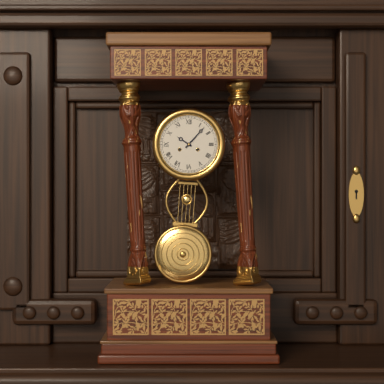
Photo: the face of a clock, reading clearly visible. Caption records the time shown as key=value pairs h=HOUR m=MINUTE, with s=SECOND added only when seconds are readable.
h=10 m=7
